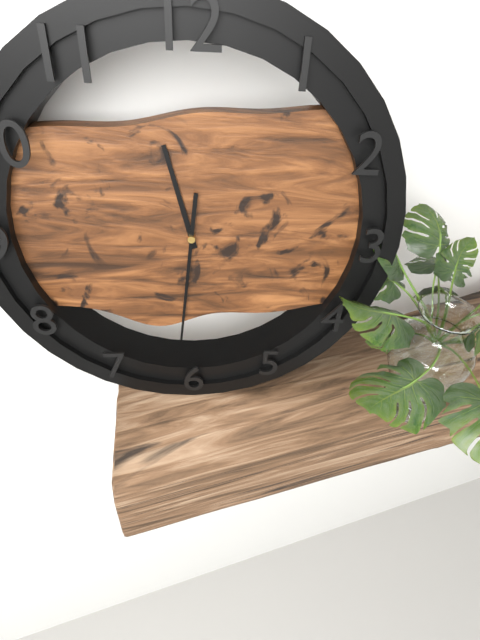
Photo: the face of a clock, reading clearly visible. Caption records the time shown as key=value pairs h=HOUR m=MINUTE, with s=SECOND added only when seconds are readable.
h=11 m=31
